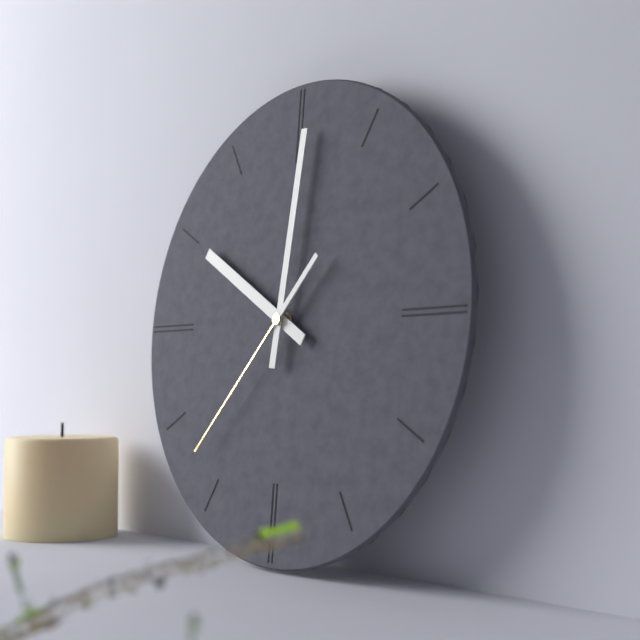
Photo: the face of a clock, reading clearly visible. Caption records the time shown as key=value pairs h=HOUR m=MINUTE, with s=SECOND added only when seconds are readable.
h=10 m=1 s=37
